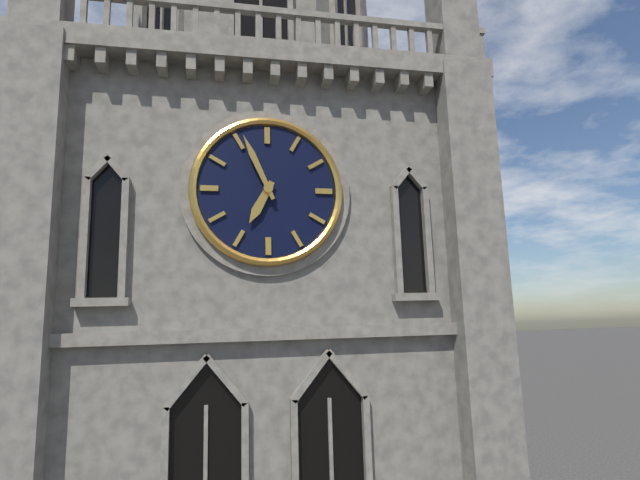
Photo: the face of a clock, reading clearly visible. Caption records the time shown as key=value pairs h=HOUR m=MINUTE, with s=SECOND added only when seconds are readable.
h=6 m=56
